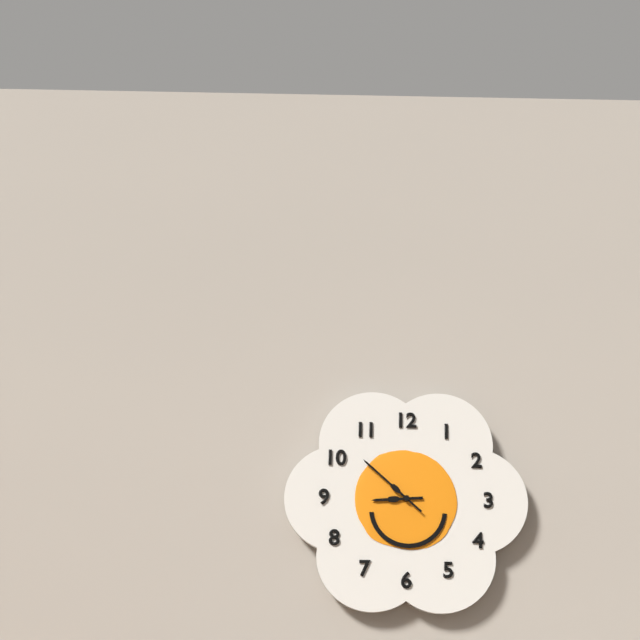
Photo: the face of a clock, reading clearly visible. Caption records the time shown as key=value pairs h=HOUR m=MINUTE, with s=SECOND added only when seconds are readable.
h=8 m=52
